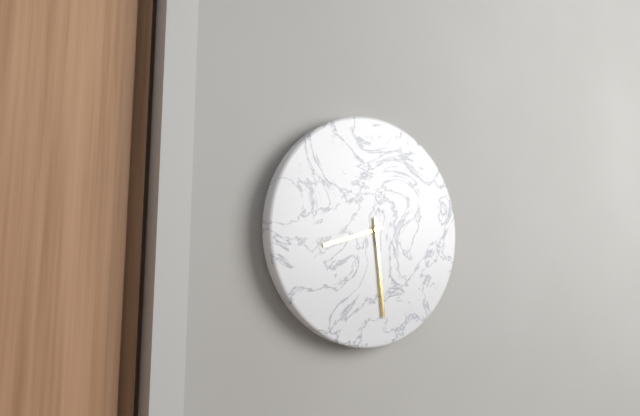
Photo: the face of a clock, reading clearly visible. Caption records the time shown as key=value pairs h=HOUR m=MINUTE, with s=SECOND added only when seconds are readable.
h=8 m=29
